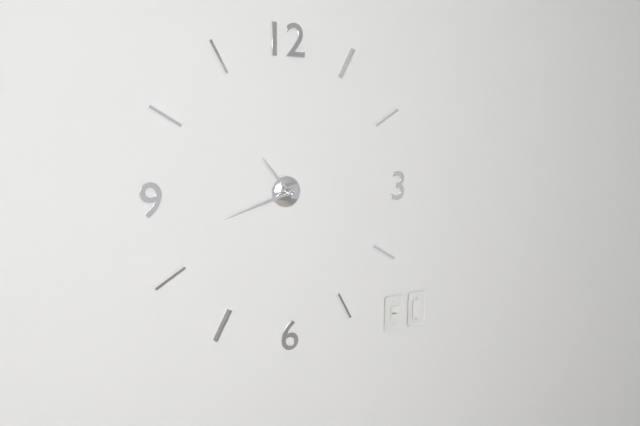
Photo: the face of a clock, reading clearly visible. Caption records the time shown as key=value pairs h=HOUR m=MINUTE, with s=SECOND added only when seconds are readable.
h=10 m=42
